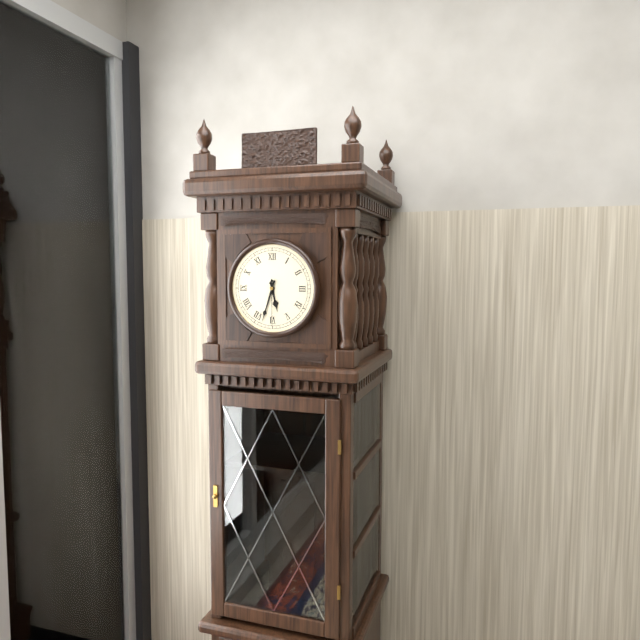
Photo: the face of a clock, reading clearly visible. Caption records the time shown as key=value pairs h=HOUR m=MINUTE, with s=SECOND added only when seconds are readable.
h=5 m=33
